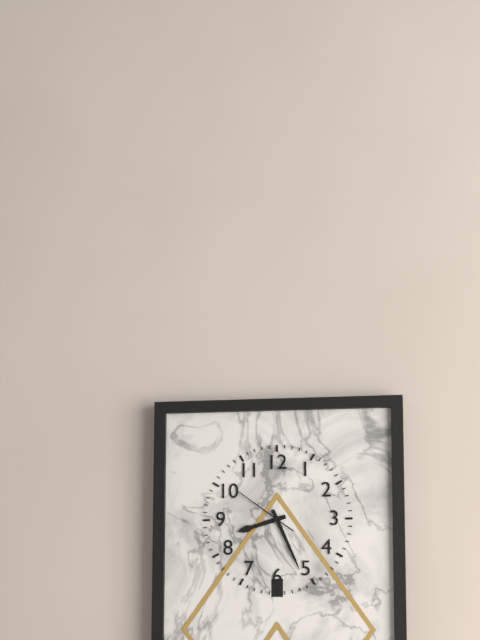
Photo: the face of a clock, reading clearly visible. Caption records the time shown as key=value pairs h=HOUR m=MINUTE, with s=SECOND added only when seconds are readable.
h=8 m=26 s=51
